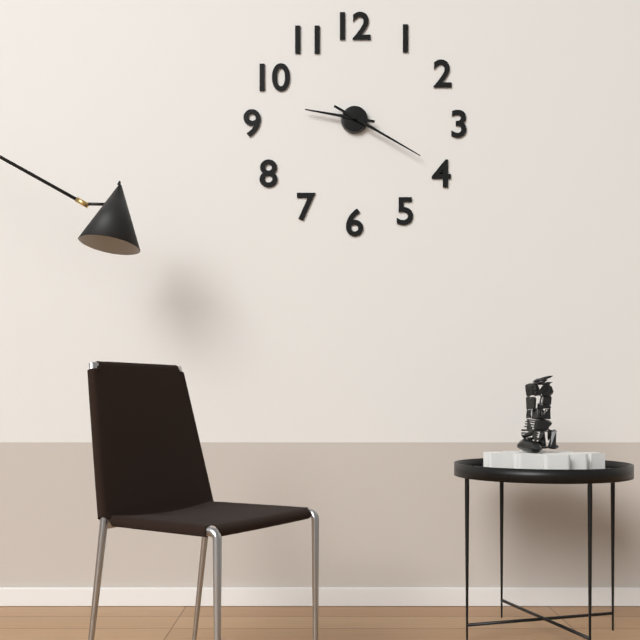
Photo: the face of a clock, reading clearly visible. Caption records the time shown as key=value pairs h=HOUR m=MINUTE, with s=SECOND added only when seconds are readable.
h=9 m=20
